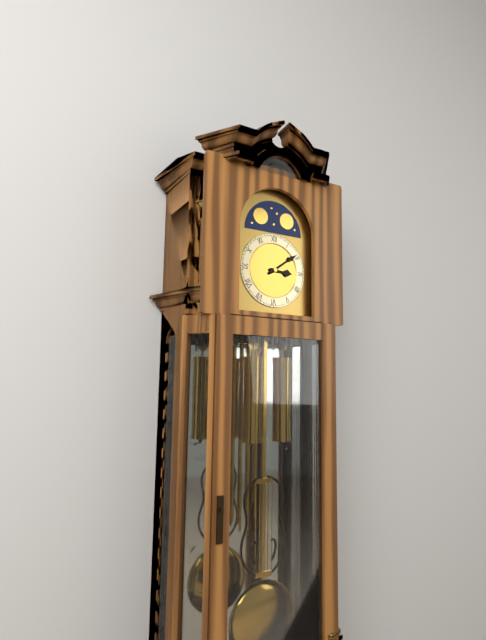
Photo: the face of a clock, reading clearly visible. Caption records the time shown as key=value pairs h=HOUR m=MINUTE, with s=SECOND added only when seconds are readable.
h=3 m=9
